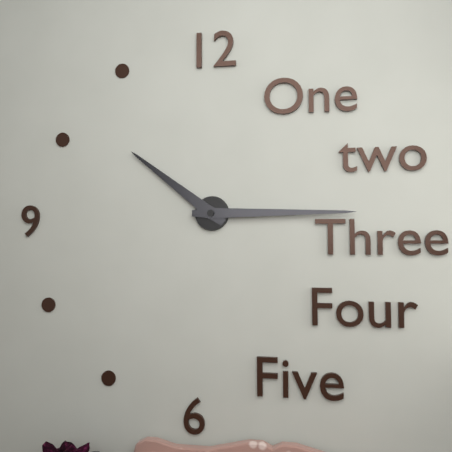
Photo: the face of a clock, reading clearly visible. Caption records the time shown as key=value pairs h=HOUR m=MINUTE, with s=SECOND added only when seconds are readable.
h=10 m=15
